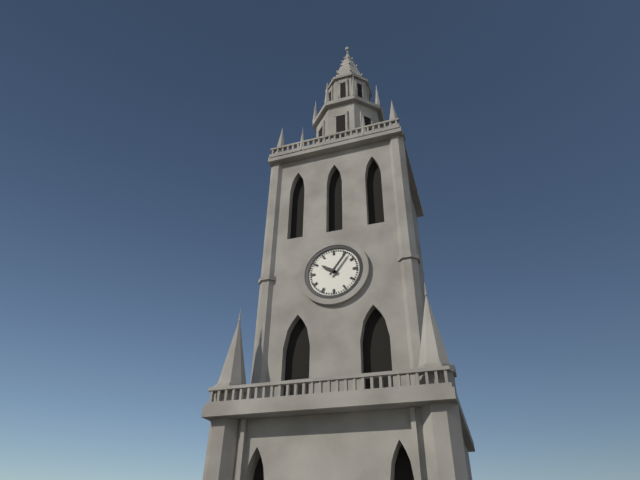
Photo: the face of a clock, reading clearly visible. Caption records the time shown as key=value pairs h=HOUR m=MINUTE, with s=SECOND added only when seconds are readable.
h=10 m=6
